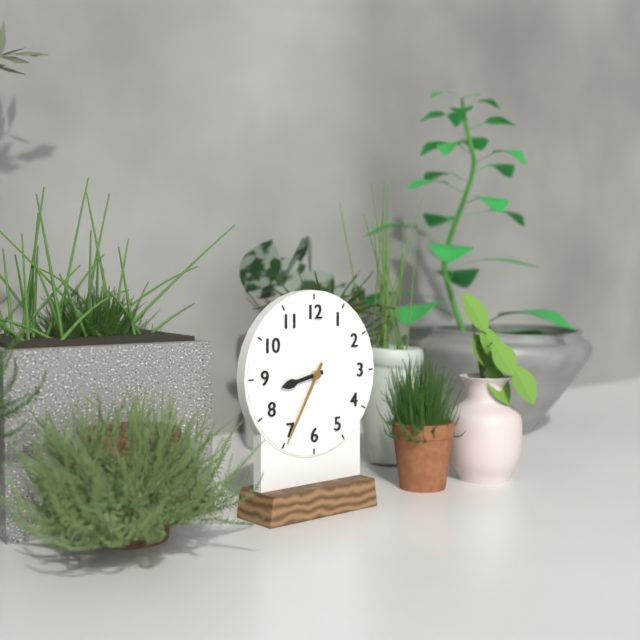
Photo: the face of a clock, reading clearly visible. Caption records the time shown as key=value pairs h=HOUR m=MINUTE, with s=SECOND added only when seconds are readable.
h=8 m=35
